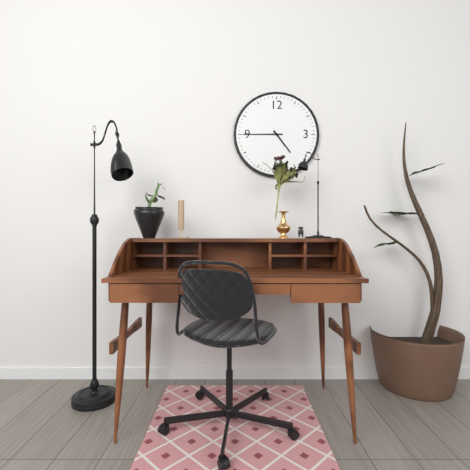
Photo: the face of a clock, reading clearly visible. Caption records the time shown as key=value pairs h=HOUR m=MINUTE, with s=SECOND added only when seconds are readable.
h=4 m=45
